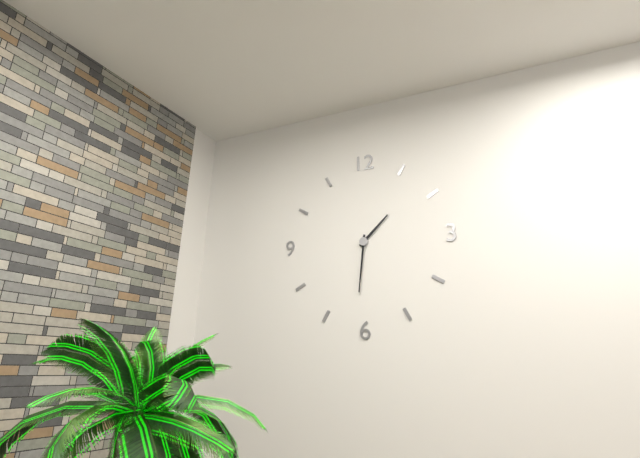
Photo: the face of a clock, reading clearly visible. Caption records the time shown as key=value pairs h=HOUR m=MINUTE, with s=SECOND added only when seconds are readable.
h=1 m=31
